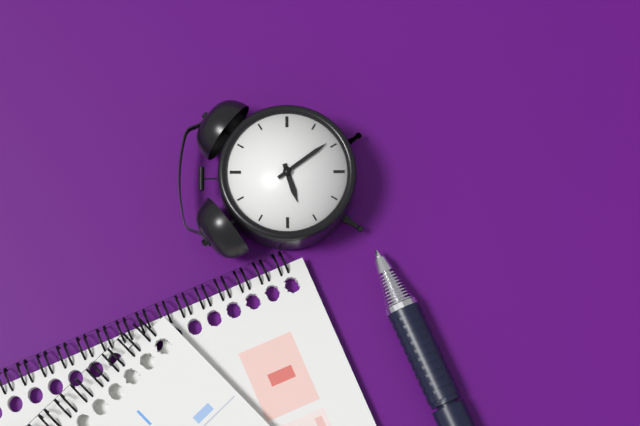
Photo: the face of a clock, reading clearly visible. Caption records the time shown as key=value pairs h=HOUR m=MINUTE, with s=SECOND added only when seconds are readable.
h=8 m=24
